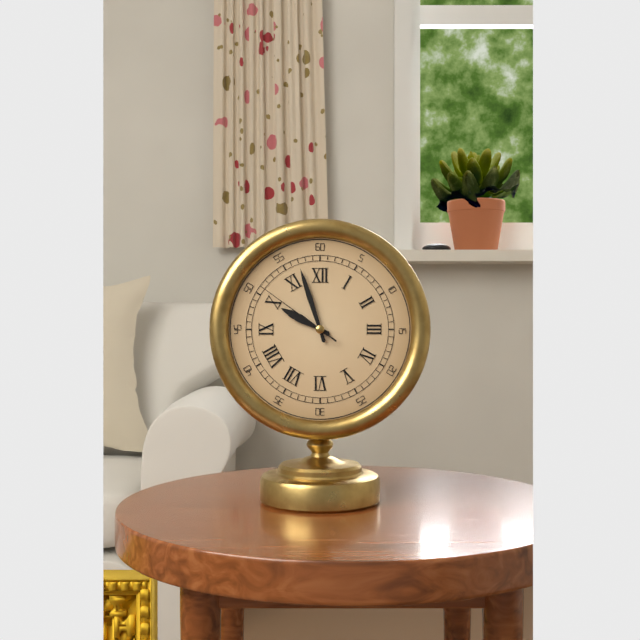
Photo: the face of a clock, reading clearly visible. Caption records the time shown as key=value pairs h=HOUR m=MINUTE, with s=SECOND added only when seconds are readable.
h=9 m=57 s=51
